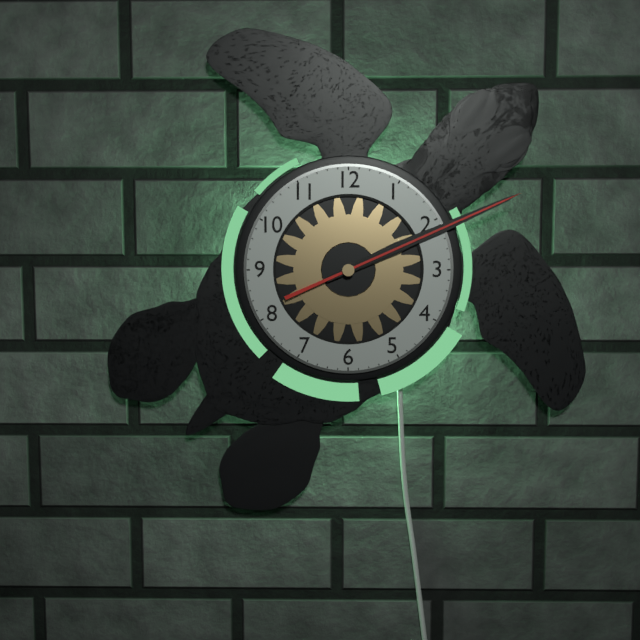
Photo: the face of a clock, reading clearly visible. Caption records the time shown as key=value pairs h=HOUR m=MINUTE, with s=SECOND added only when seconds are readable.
h=2 m=11 s=11
